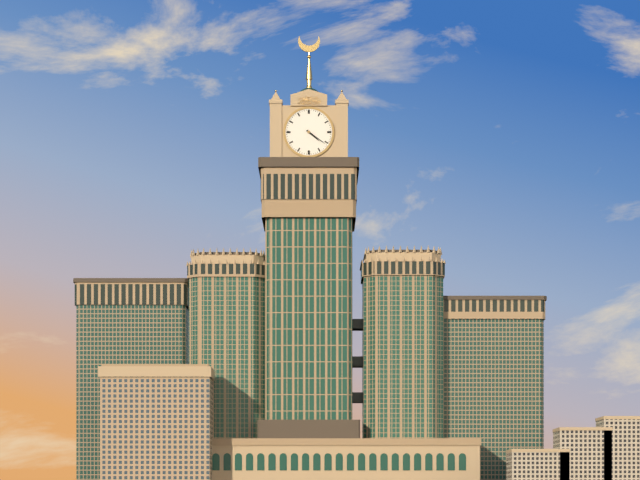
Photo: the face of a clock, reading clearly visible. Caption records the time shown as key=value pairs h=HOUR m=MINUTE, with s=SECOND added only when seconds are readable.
h=4 m=21
